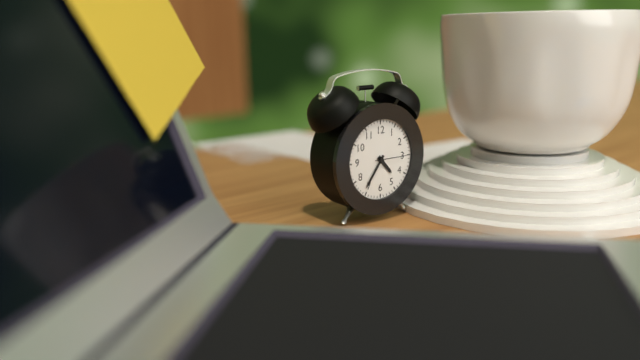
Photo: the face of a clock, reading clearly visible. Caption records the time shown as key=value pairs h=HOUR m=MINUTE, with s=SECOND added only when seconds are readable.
h=4 m=36
